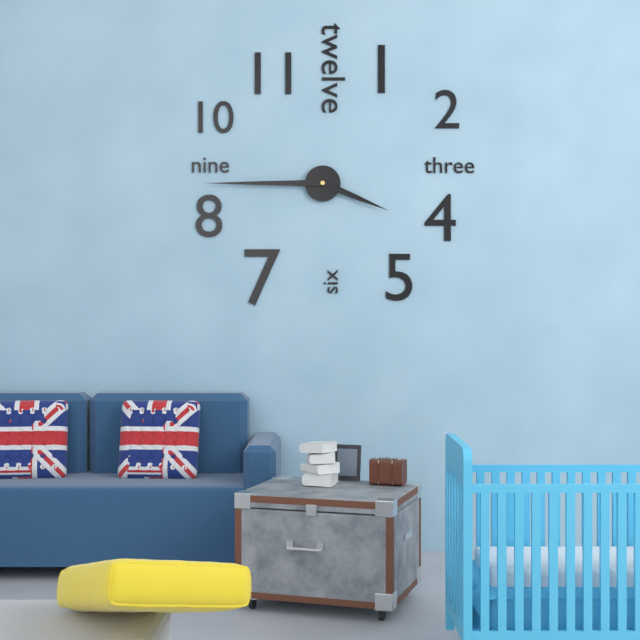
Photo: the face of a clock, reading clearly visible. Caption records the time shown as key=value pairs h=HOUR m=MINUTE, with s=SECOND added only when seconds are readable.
h=3 m=45
